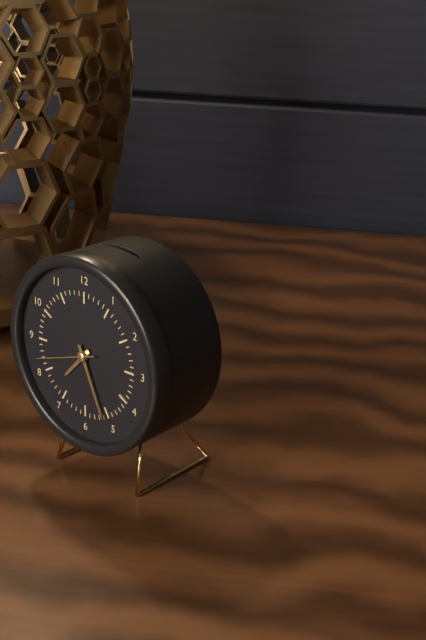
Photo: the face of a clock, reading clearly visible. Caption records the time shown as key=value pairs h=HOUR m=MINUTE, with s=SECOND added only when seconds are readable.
h=7 m=26 s=42
